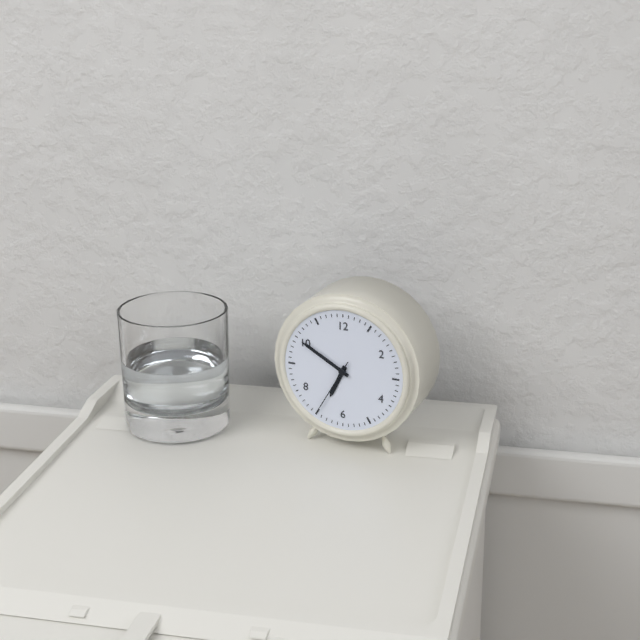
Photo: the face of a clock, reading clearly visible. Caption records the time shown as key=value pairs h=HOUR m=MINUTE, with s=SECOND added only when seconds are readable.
h=6 m=50 s=35
